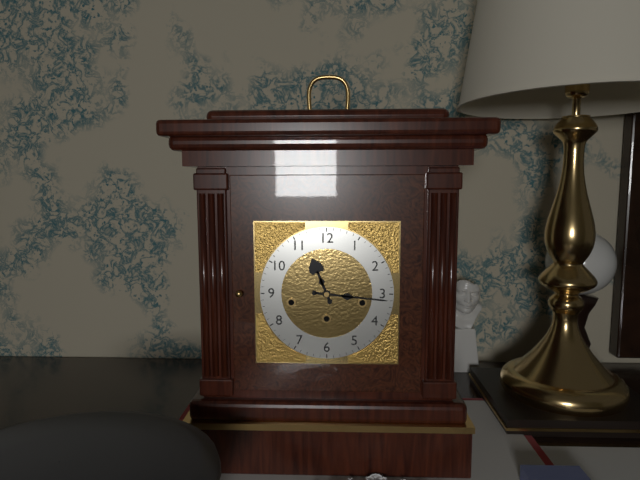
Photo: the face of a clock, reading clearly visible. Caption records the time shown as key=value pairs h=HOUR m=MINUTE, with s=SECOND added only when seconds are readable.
h=11 m=16
